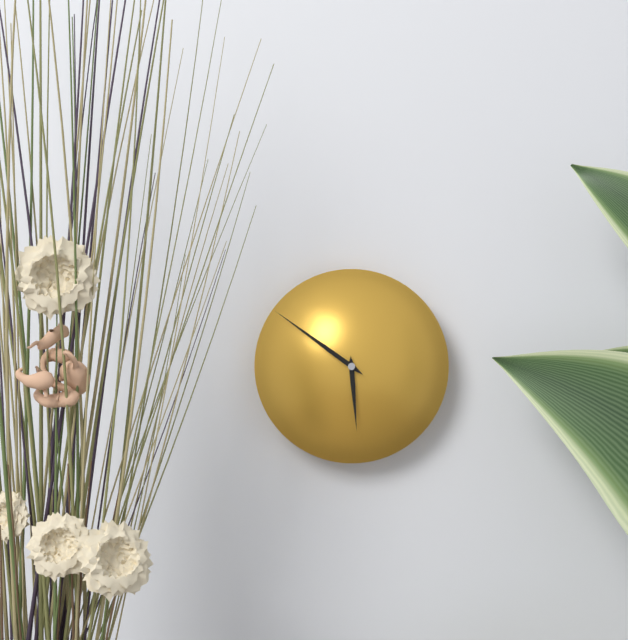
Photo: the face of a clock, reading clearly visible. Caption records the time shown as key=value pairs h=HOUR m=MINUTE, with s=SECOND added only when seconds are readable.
h=5 m=51
